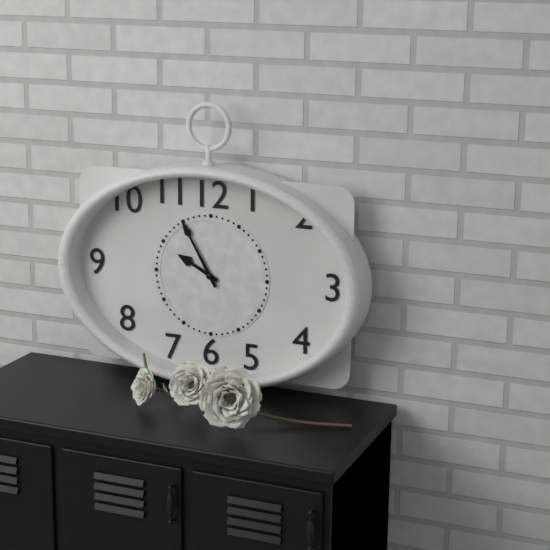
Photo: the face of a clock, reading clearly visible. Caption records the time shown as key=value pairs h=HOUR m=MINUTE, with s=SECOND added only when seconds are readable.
h=9 m=55
